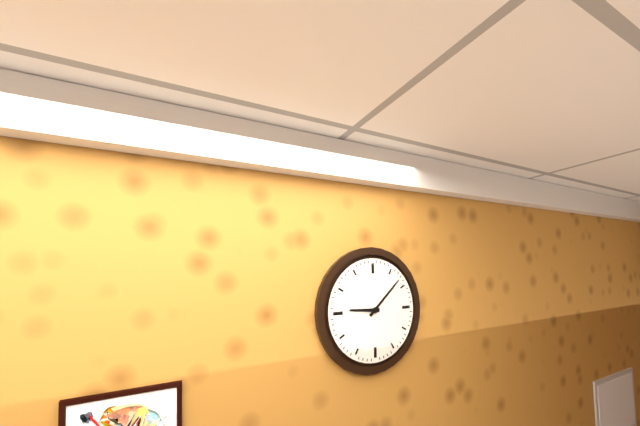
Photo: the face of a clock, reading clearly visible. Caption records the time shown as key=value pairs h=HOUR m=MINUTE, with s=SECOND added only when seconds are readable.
h=9 m=8
